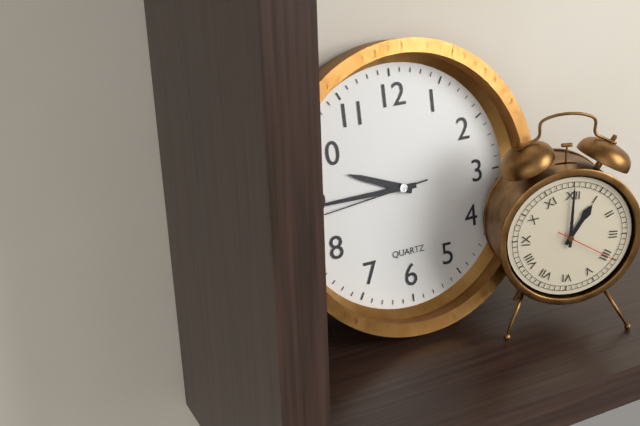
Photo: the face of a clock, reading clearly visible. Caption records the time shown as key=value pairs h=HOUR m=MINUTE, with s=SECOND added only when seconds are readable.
h=9 m=45 s=44
